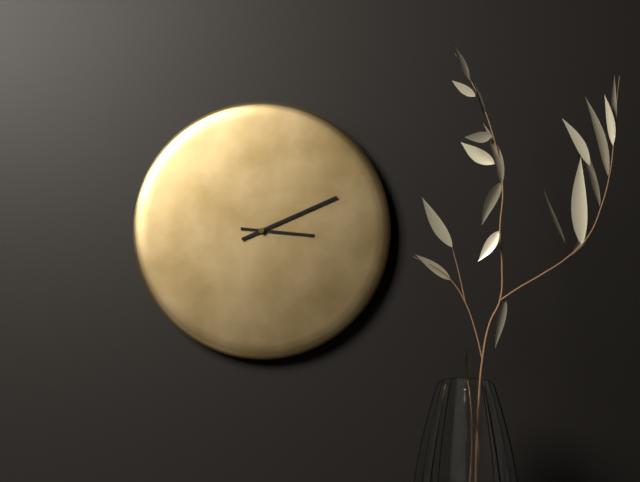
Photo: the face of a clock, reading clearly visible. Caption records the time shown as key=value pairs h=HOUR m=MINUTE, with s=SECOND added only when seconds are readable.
h=3 m=11
